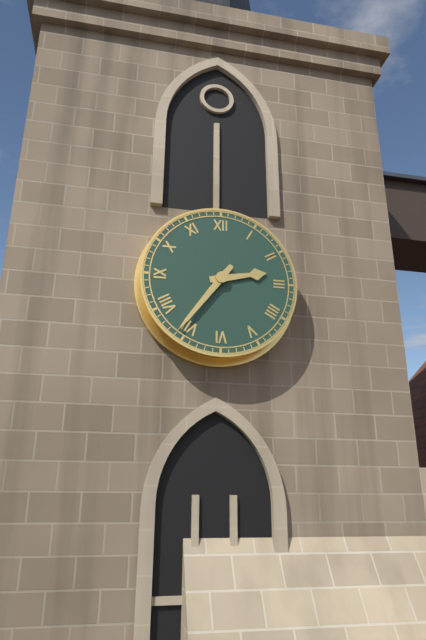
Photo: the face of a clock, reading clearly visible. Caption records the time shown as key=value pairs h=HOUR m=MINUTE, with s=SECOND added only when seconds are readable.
h=2 m=36
